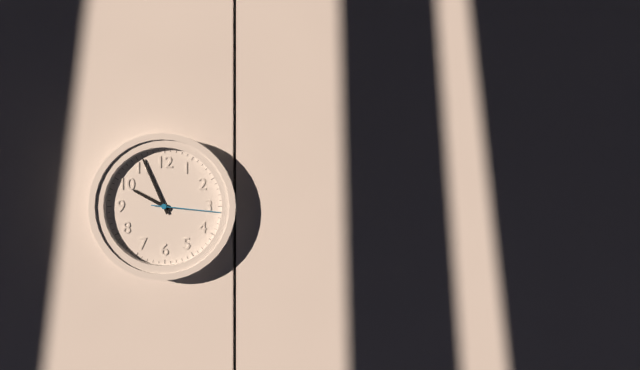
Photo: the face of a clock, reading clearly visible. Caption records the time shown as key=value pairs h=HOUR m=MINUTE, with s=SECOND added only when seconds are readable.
h=9 m=56 s=16
